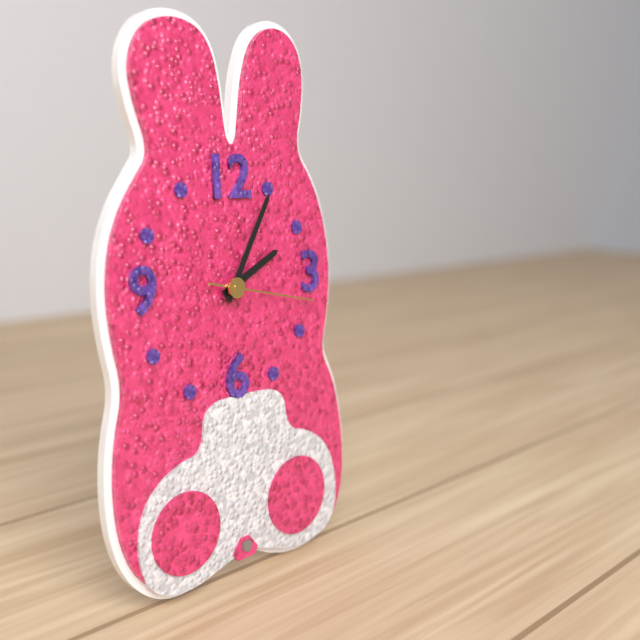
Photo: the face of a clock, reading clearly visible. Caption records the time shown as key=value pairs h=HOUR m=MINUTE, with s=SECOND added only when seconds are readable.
h=2 m=5 s=17
